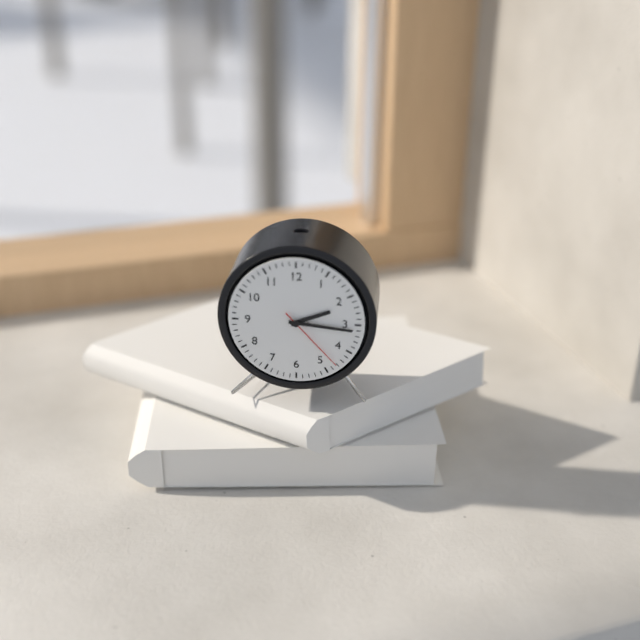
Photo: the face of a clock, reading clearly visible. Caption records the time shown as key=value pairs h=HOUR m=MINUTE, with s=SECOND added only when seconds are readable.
h=2 m=16 s=23
